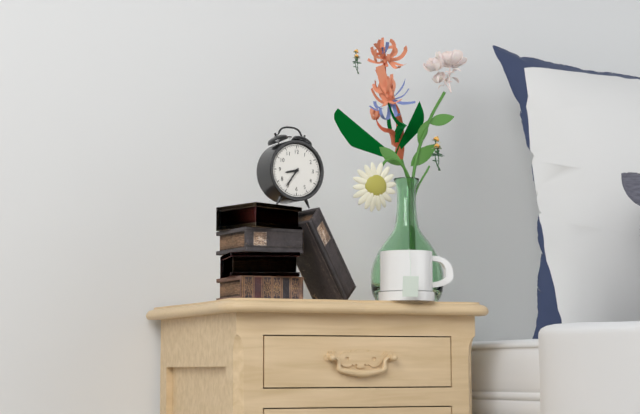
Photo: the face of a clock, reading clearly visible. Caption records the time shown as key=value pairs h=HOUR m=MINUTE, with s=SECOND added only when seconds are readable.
h=8 m=36
